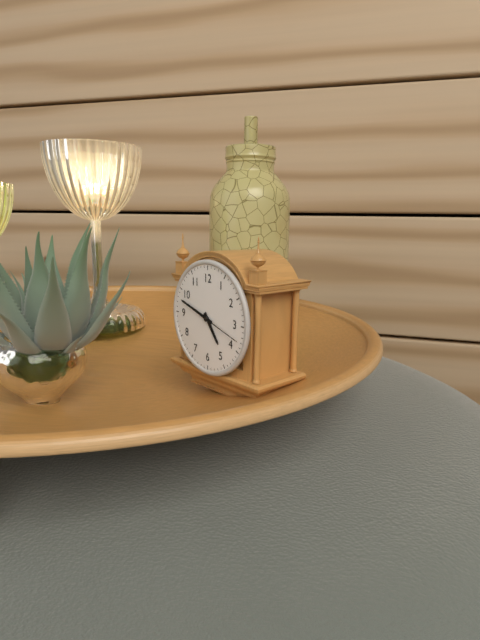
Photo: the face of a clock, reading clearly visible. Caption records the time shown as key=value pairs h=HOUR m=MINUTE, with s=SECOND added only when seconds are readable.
h=4 m=48
